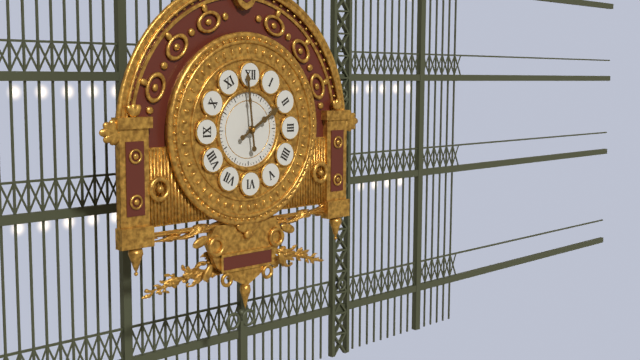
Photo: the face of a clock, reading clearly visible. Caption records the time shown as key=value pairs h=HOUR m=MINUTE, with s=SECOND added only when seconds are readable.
h=1 m=59
